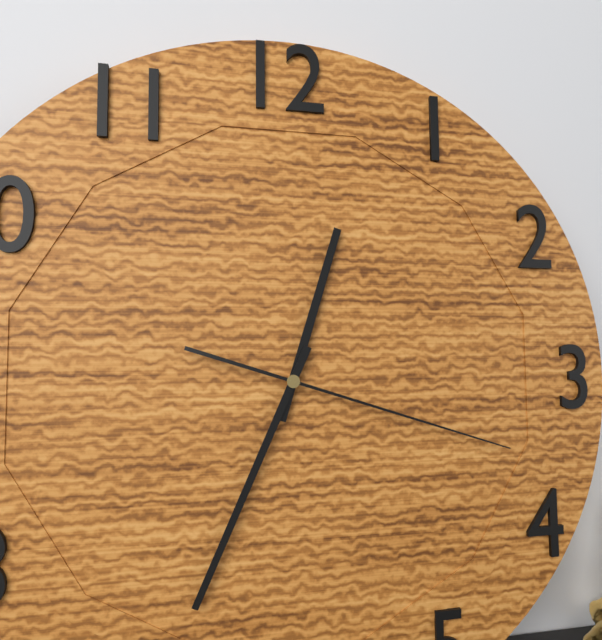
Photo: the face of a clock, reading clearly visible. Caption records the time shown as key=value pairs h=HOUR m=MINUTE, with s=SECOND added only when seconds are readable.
h=12 m=34 s=18
